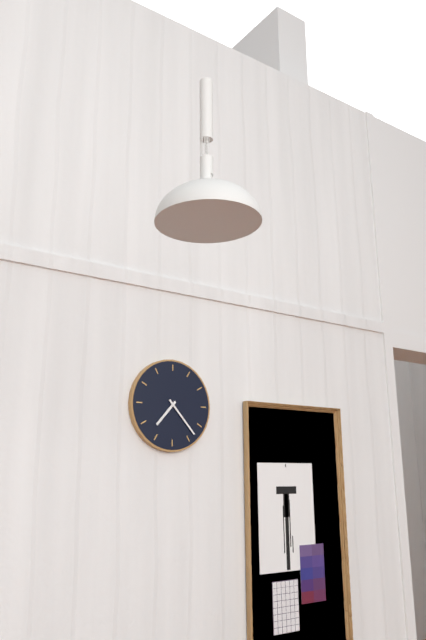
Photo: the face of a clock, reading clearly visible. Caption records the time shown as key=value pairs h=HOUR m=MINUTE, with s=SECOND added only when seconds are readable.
h=7 m=23
